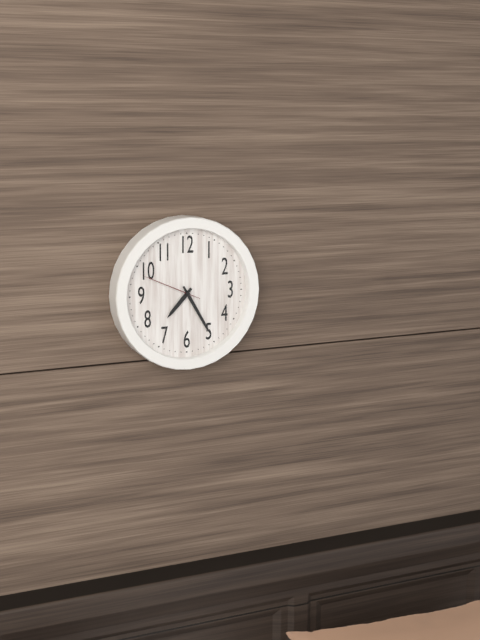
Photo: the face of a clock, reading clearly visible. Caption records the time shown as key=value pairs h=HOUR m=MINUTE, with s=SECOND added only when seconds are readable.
h=7 m=25 s=49
